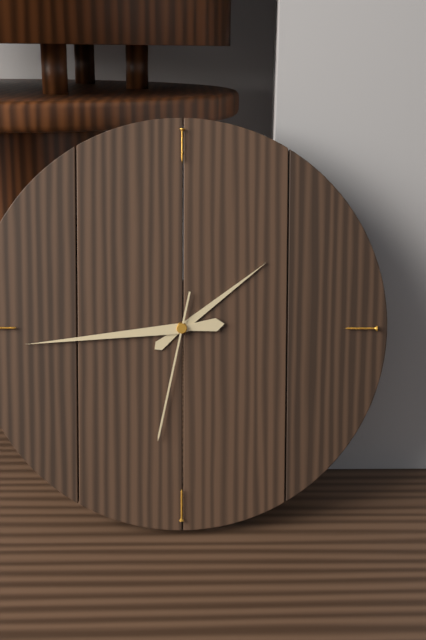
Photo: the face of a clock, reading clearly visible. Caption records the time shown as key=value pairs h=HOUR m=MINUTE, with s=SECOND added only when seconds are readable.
h=1 m=44 s=32
